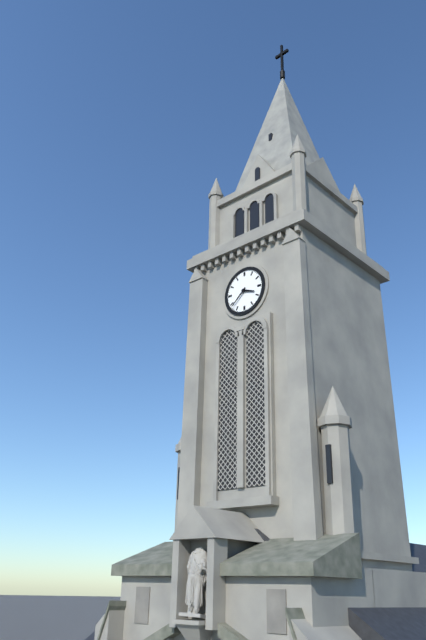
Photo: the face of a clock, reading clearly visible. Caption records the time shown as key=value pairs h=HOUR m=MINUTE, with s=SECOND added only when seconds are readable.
h=3 m=38
